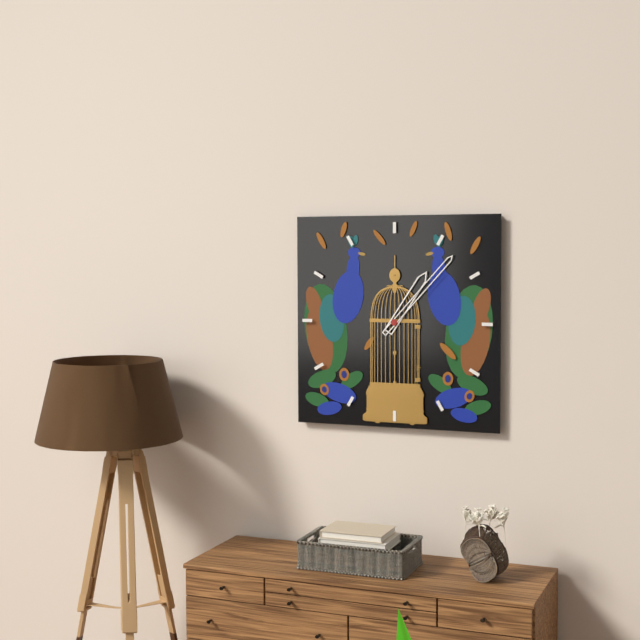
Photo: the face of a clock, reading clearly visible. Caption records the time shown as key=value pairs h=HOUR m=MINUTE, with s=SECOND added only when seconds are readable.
h=1 m=7
